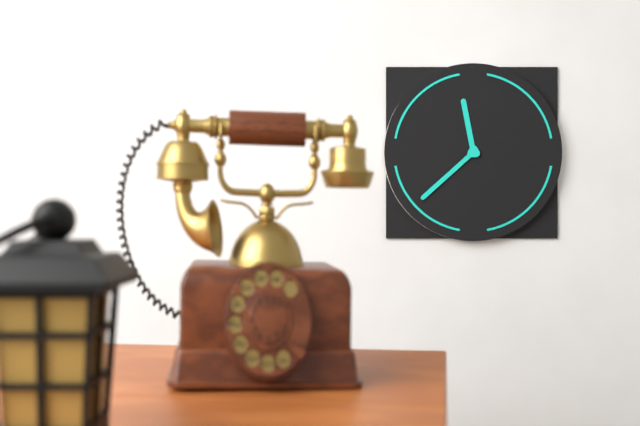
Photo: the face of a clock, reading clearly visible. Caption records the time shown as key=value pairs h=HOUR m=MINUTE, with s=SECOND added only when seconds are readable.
h=11 m=38
